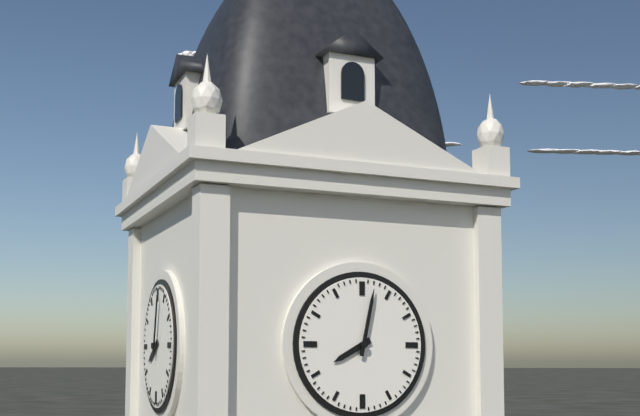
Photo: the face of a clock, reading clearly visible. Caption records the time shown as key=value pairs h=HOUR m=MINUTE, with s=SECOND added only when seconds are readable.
h=8 m=2
